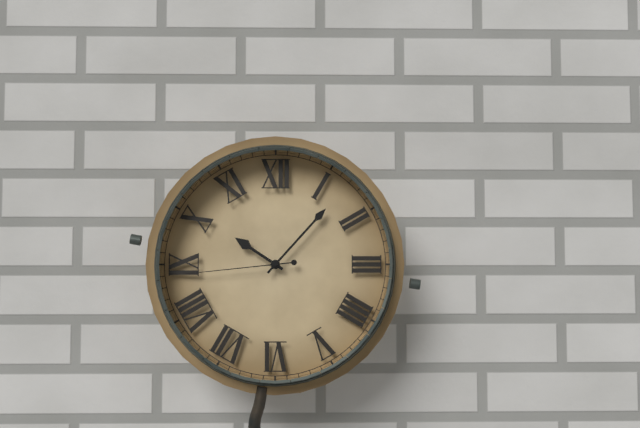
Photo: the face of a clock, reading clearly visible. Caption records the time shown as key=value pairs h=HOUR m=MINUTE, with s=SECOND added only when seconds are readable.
h=10 m=7 s=44
